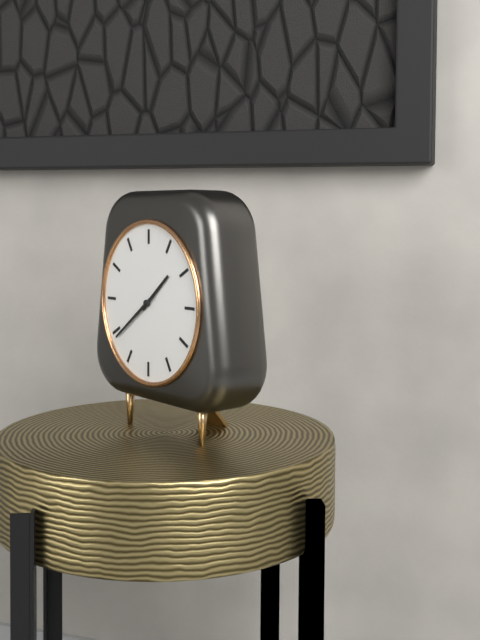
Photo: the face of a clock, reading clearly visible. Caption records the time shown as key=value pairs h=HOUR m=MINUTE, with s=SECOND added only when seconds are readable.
h=1 m=39
